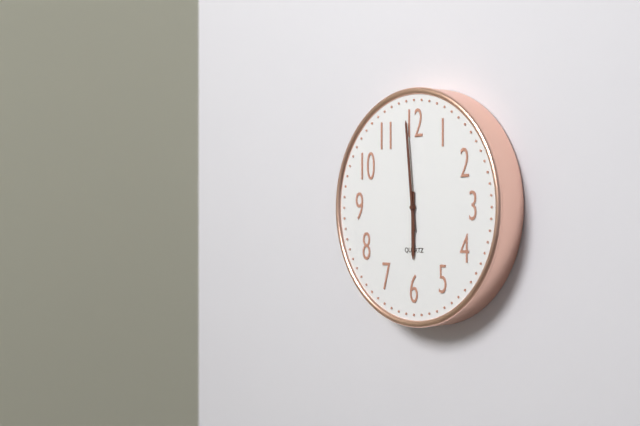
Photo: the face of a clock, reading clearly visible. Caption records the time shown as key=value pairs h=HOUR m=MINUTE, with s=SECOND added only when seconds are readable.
h=5 m=59
